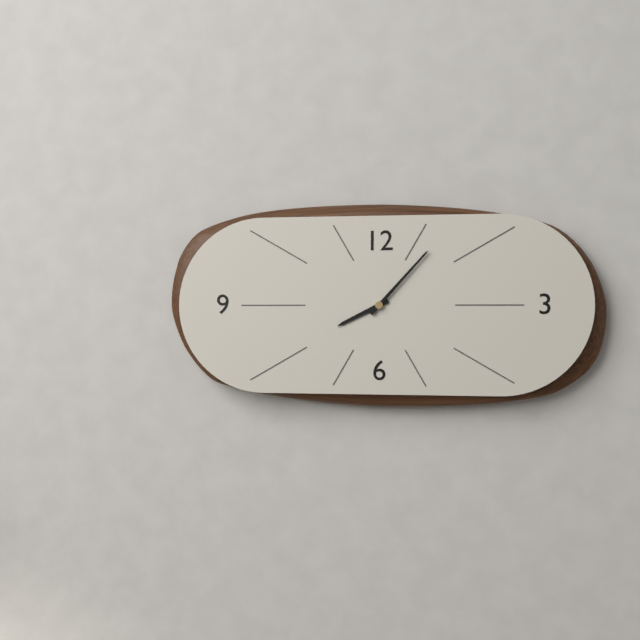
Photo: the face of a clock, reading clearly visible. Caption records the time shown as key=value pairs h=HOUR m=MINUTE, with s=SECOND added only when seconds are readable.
h=8 m=7
